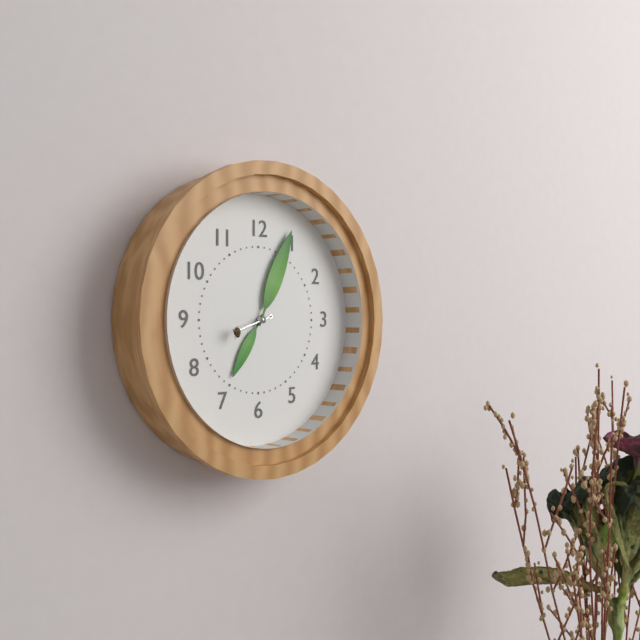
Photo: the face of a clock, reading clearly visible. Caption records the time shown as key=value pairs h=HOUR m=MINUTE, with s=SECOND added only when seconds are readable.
h=7 m=4
